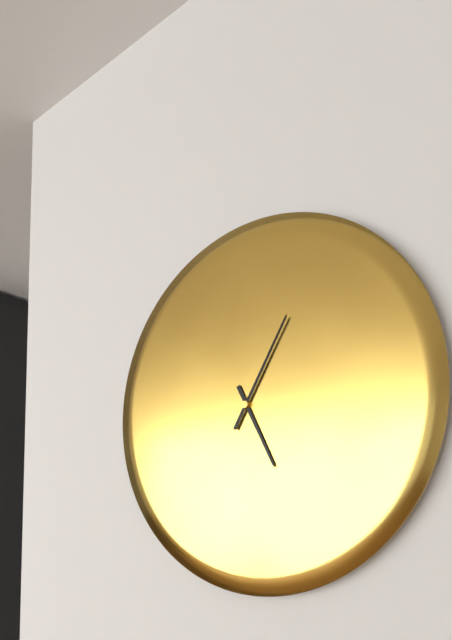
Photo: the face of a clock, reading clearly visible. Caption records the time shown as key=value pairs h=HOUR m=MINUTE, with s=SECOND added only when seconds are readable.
h=5 m=5
